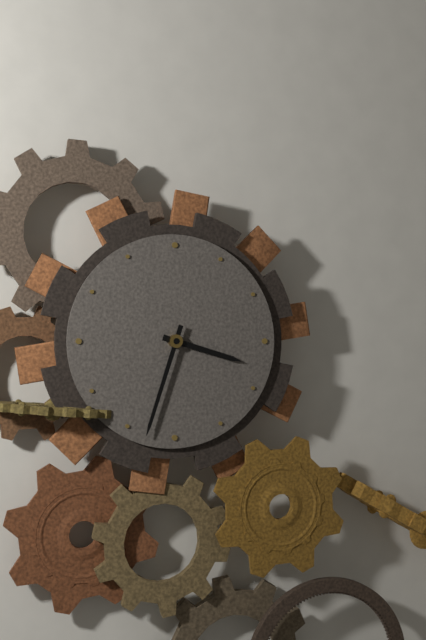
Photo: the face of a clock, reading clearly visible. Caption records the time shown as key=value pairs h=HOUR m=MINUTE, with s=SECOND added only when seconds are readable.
h=3 m=33
